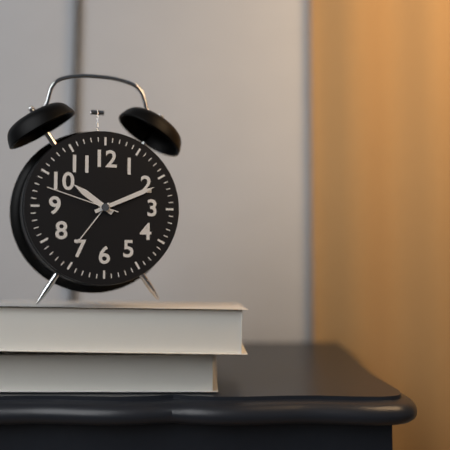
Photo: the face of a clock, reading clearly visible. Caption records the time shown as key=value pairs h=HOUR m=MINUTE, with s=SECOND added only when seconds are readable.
h=10 m=11 s=48
